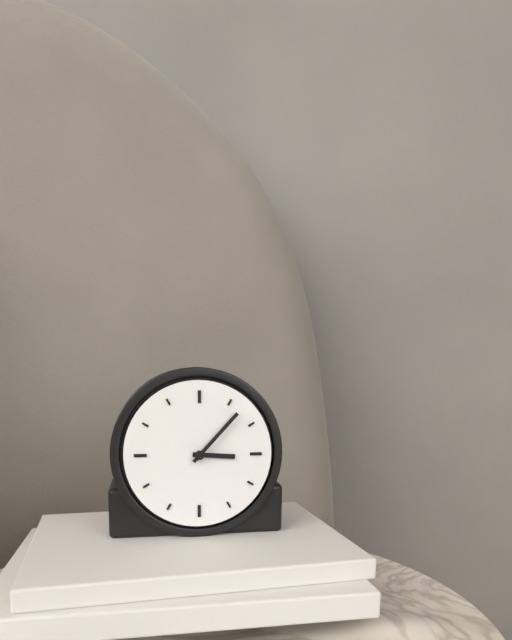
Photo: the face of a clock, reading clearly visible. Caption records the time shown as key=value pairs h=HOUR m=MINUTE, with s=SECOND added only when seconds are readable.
h=3 m=7
